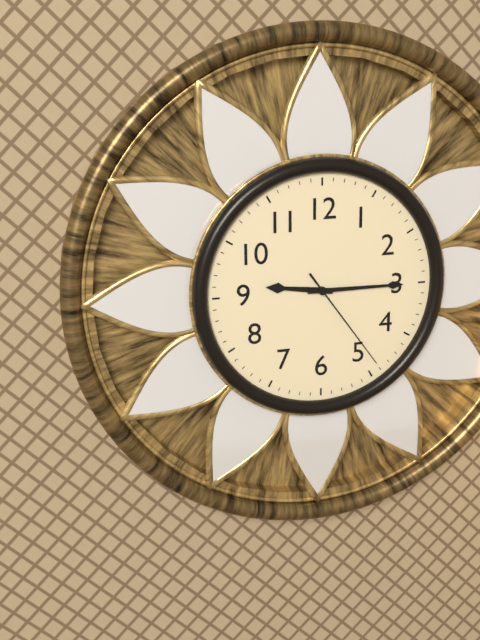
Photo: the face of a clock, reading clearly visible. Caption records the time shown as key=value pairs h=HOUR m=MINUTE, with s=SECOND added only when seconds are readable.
h=9 m=15 s=24
